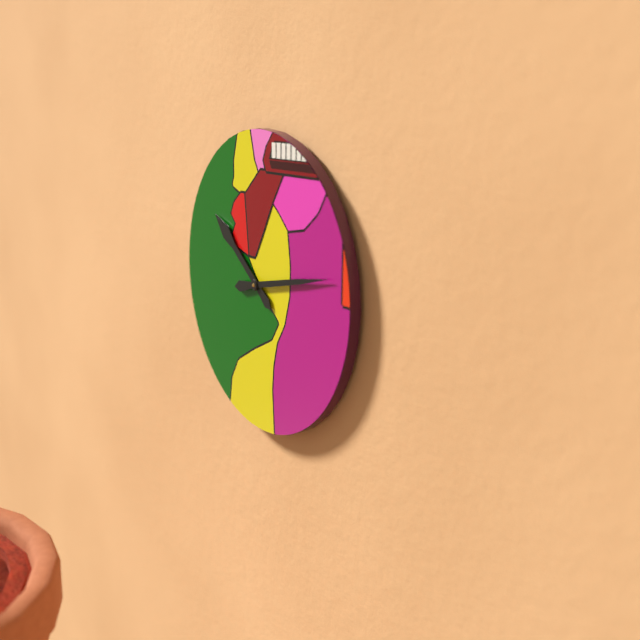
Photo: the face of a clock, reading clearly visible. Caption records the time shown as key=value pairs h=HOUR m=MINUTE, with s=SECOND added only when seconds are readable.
h=10 m=13
